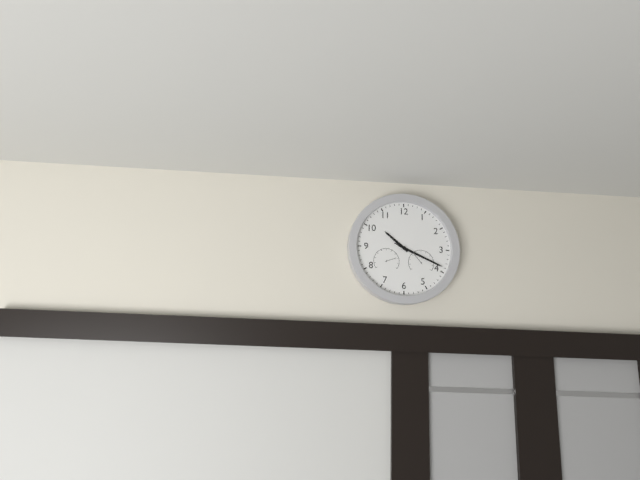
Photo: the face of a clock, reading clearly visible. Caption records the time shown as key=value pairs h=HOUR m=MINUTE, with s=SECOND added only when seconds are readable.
h=10 m=19 s=19
